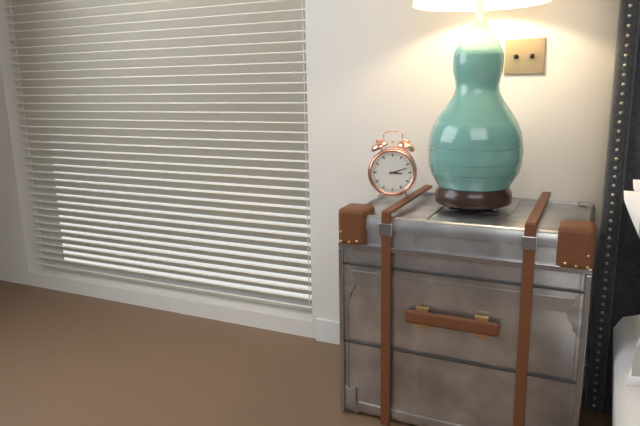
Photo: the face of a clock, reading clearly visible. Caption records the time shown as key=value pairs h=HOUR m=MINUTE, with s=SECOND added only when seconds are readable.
h=3 m=12
